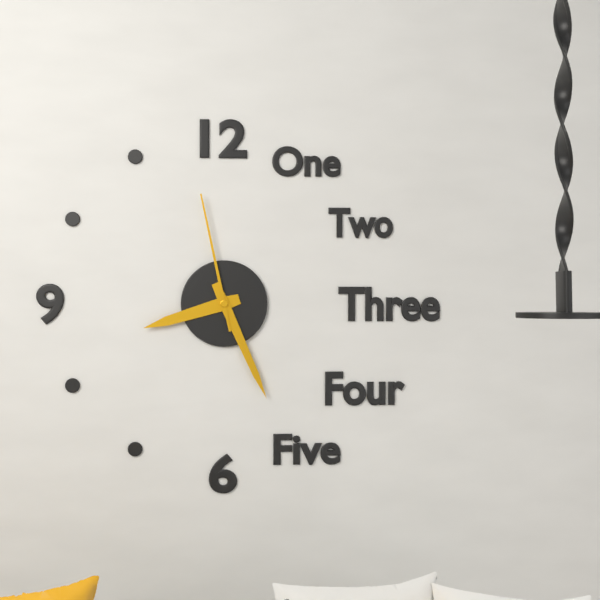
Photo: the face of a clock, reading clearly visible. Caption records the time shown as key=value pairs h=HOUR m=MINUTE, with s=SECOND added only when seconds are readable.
h=8 m=26 s=58
